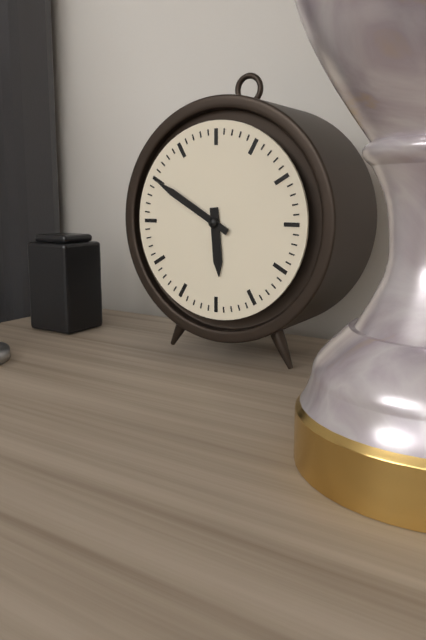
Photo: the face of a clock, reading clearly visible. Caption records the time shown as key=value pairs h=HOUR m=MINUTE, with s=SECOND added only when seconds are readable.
h=5 m=50
